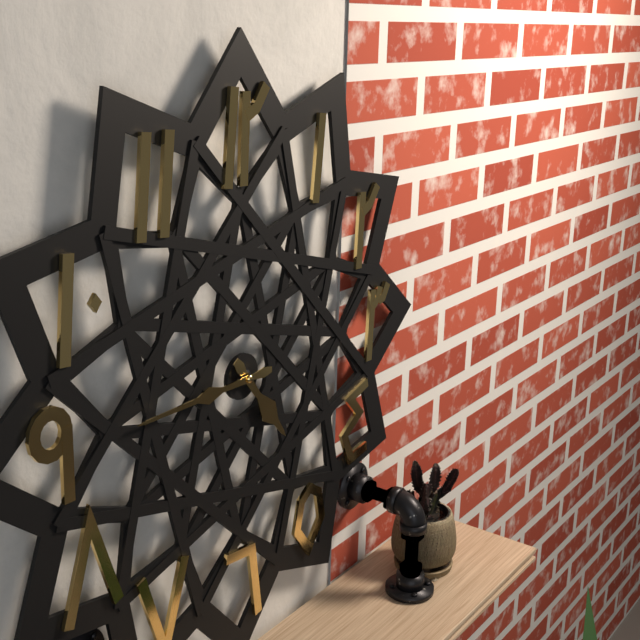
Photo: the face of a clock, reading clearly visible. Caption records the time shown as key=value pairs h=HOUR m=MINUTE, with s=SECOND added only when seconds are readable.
h=4 m=45
